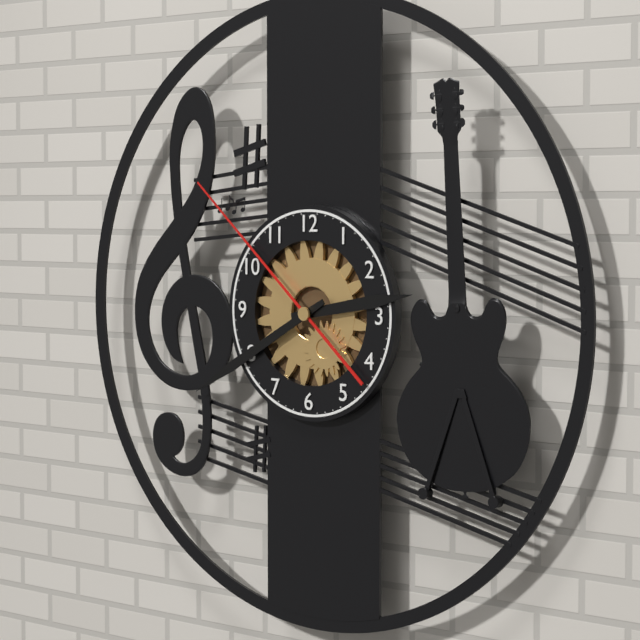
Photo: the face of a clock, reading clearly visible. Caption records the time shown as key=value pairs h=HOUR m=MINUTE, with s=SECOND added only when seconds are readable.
h=2 m=40 s=52
